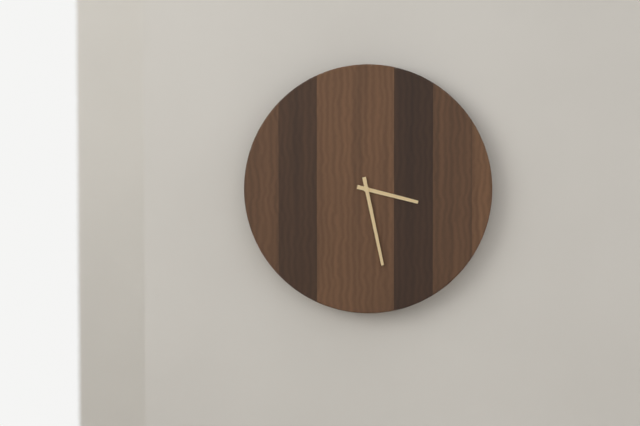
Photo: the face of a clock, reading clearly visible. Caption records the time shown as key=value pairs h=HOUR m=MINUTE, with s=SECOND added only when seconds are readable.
h=3 m=28
